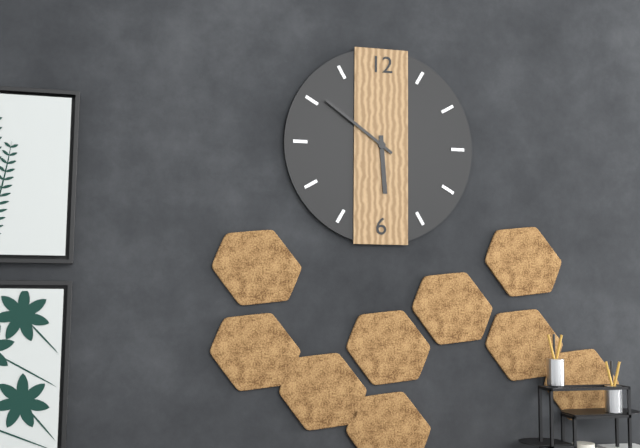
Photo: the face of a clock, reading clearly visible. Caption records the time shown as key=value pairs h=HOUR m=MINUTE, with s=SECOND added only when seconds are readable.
h=5 m=51
